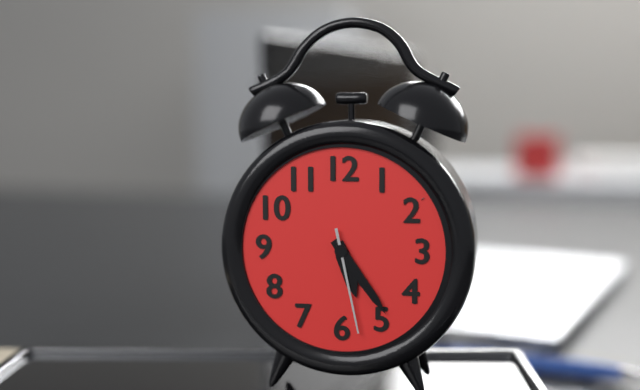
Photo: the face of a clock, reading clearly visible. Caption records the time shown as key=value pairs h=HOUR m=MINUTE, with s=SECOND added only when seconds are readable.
h=5 m=24 s=28
